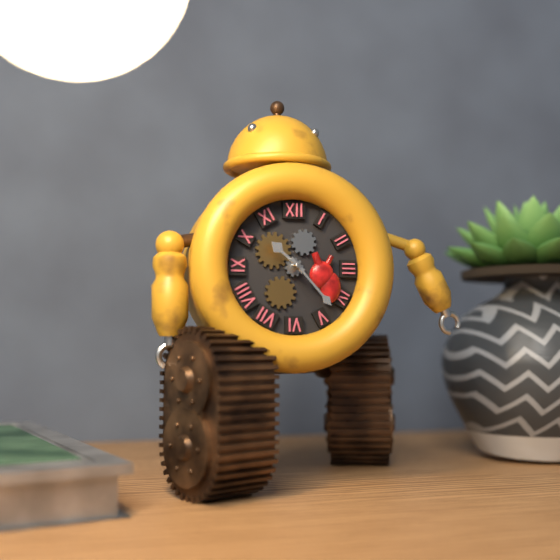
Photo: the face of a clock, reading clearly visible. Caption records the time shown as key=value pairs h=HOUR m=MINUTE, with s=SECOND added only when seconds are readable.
h=10 m=23
